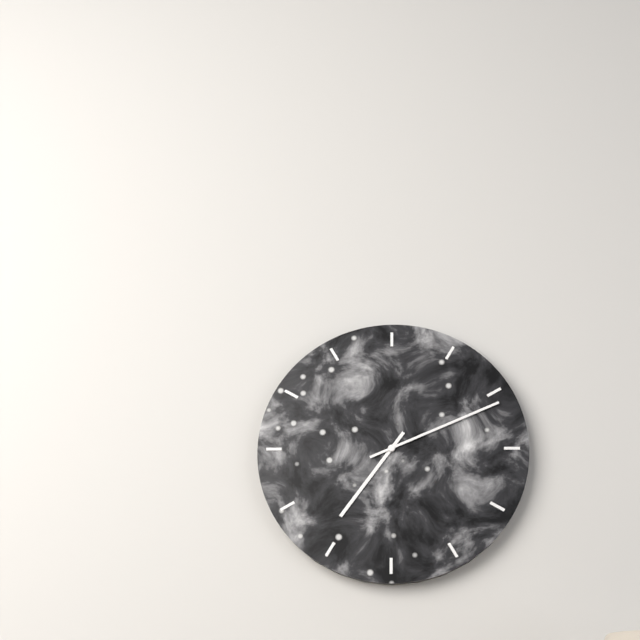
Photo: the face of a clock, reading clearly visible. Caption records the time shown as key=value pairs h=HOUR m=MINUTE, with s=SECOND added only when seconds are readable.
h=7 m=11
